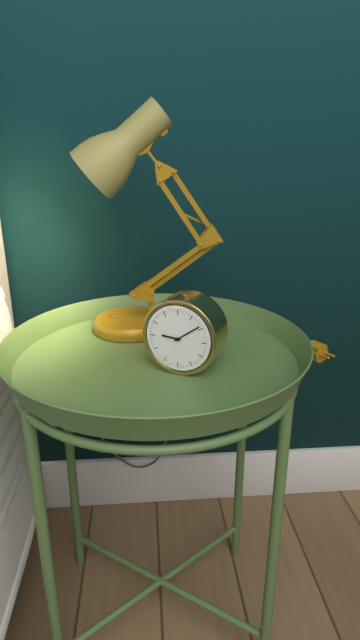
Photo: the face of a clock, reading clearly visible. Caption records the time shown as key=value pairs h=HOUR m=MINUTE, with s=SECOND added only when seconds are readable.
h=9 m=9
